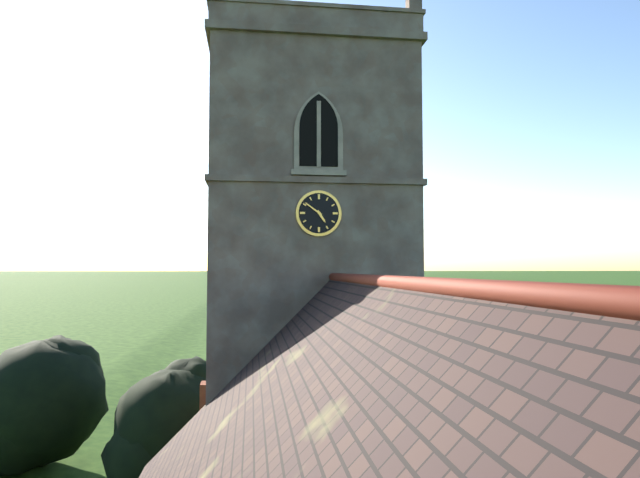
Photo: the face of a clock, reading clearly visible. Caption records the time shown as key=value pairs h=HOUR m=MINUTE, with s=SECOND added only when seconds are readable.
h=4 m=51
